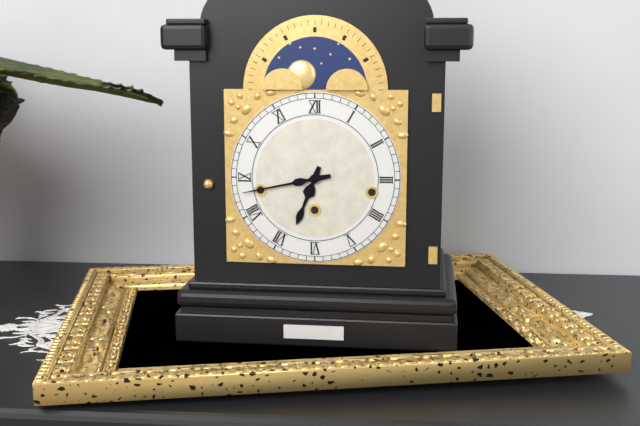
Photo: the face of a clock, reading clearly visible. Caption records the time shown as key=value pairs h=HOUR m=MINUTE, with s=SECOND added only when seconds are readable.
h=6 m=43
